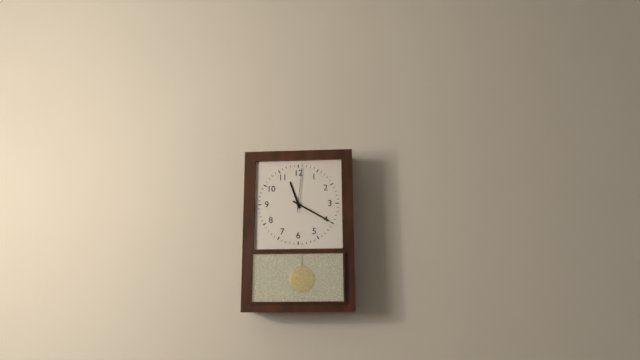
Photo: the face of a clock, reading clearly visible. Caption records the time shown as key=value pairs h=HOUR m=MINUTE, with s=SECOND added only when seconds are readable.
h=11 m=20
